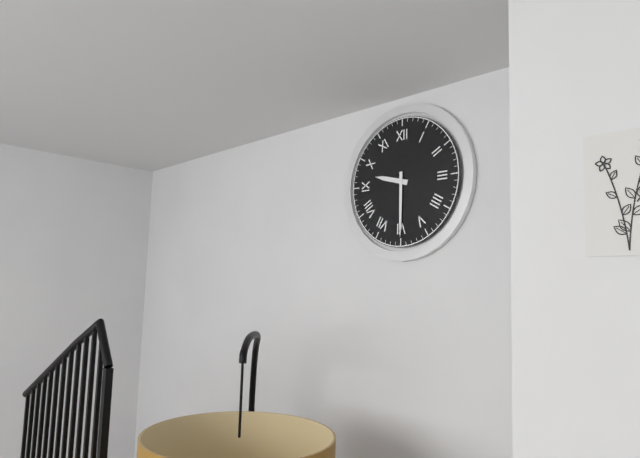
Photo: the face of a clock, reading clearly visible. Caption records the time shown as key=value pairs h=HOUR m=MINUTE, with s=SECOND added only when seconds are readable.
h=9 m=30
